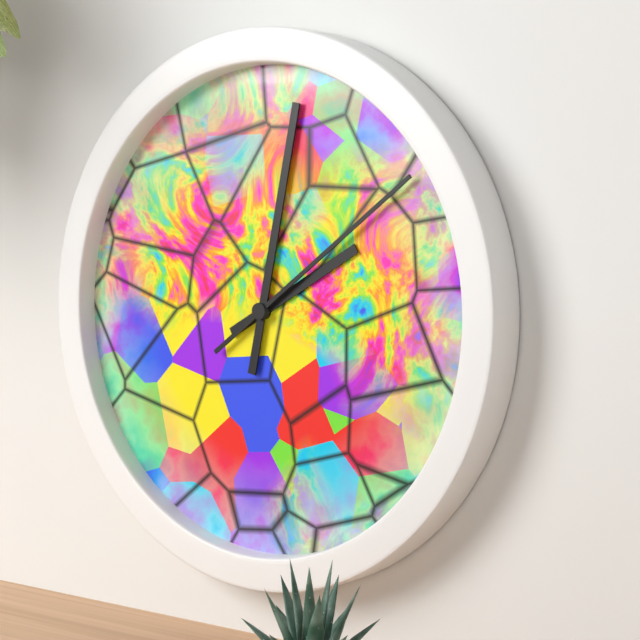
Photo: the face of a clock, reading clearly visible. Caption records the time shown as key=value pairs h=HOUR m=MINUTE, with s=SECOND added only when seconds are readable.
h=2 m=2 s=9
